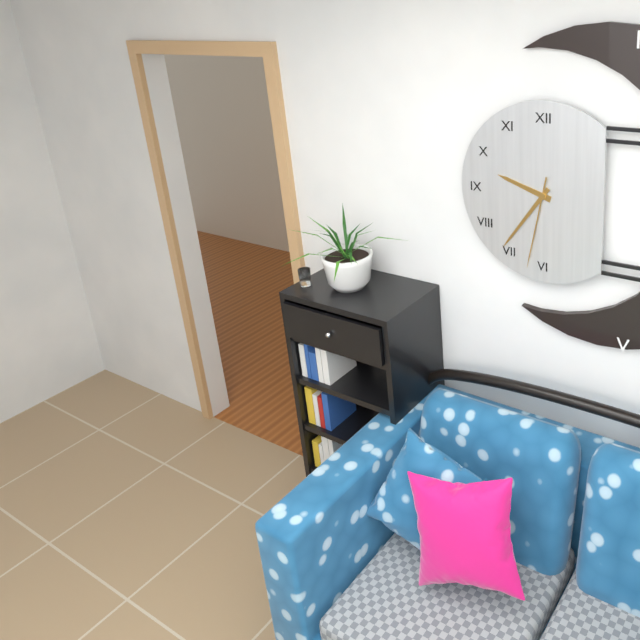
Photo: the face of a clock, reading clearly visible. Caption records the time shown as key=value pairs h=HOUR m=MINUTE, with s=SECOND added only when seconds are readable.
h=9 m=36 s=32
